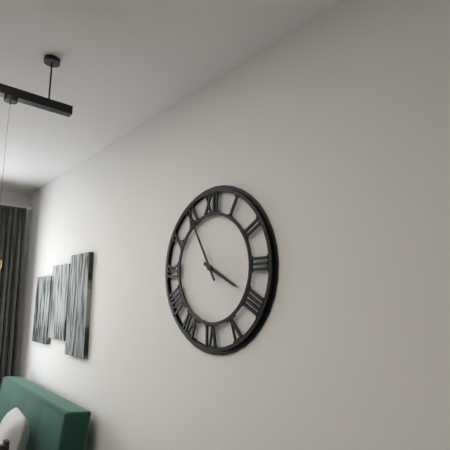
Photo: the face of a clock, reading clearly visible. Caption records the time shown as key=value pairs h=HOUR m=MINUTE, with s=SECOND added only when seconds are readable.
h=3 m=55
